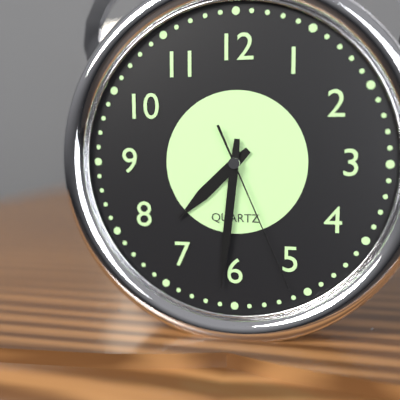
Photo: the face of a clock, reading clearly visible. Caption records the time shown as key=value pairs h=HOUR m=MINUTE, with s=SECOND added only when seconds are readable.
h=7 m=31 s=26
